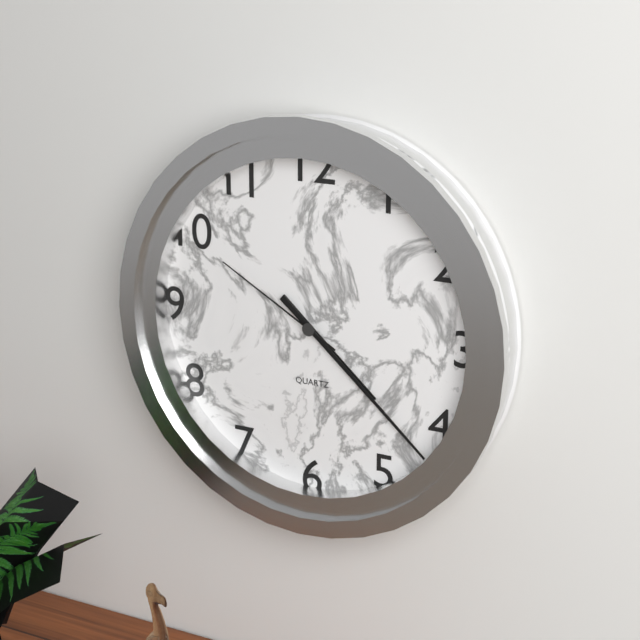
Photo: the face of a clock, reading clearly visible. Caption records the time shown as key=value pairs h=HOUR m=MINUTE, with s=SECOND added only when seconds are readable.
h=4 m=22 s=50
